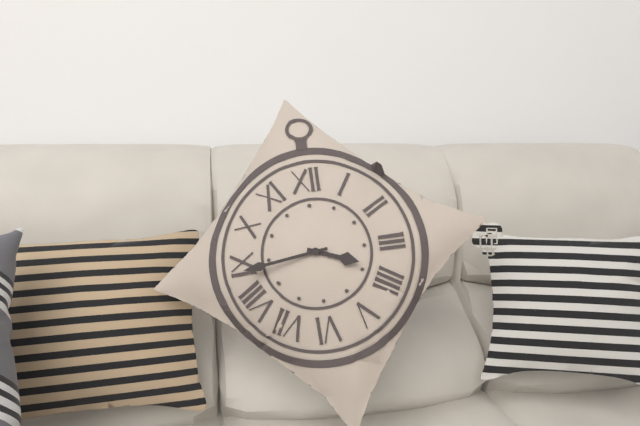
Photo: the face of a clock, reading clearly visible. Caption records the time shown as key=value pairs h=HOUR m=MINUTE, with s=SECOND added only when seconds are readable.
h=3 m=44
